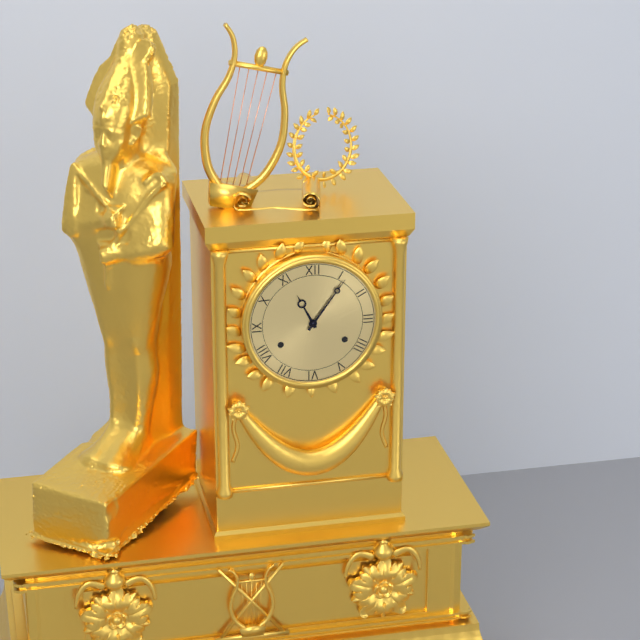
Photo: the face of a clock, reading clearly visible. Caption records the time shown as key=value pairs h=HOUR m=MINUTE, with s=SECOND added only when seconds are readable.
h=11 m=6
